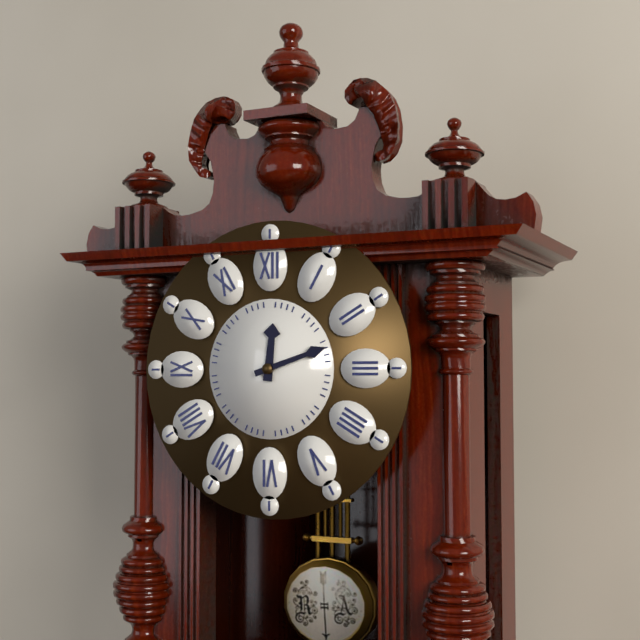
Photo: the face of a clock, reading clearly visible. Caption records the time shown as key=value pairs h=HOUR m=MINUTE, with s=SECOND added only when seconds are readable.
h=12 m=12
